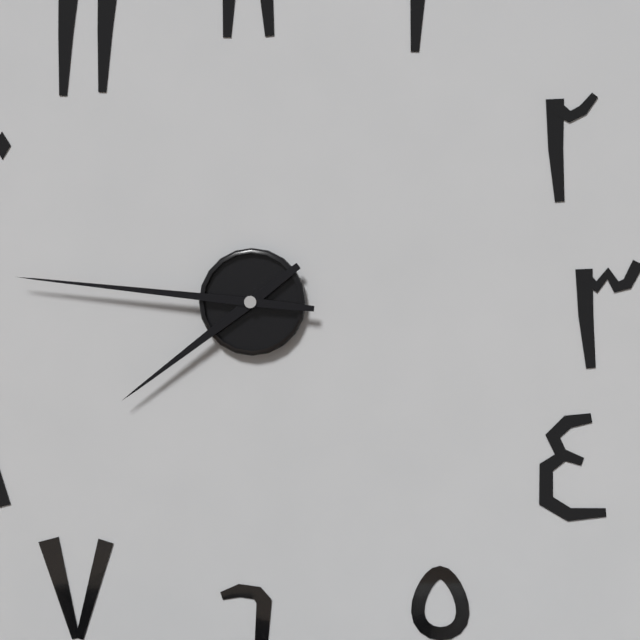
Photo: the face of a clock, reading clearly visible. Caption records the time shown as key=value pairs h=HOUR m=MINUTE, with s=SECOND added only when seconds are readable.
h=7 m=46
